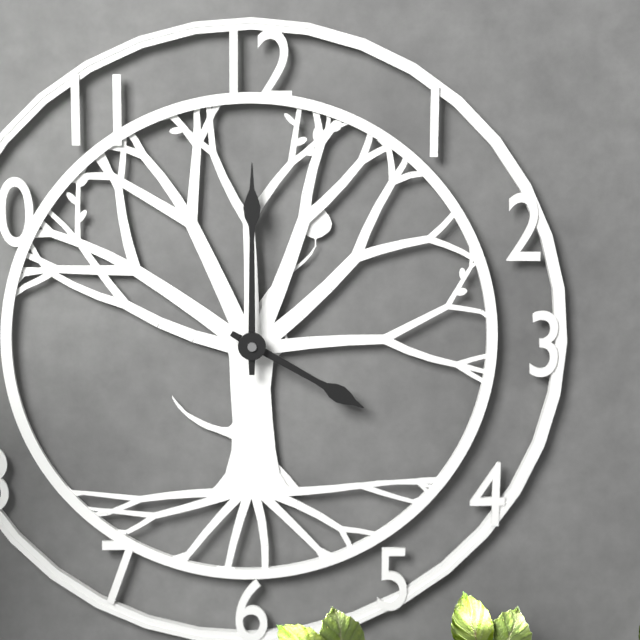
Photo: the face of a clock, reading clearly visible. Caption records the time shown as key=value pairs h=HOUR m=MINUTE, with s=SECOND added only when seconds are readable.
h=4 m=0
